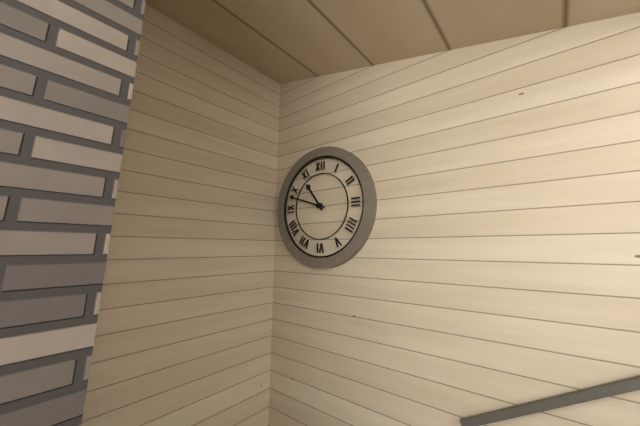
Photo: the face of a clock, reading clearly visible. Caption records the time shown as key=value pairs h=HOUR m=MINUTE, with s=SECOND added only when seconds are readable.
h=10 m=48
